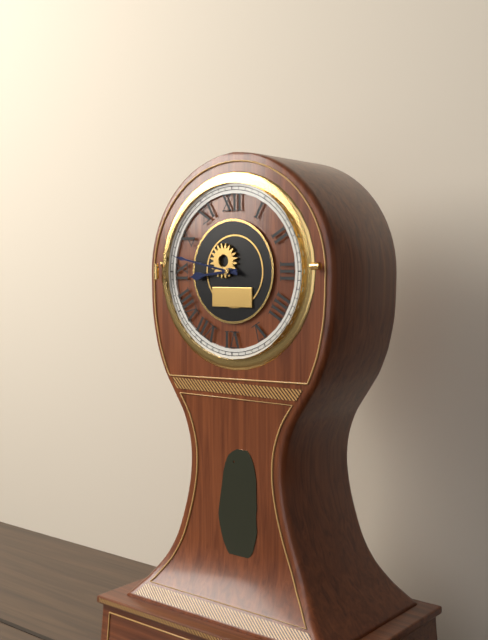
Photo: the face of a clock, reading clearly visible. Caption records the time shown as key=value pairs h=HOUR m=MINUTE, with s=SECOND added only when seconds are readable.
h=8 m=47
